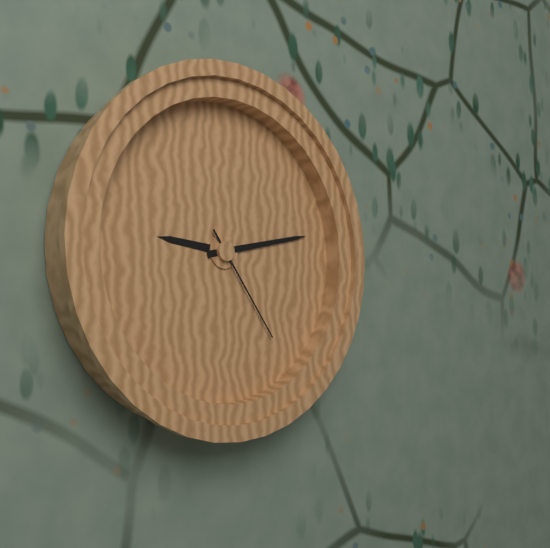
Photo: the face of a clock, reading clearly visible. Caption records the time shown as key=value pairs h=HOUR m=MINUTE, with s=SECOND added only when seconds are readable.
h=9 m=13 s=24
